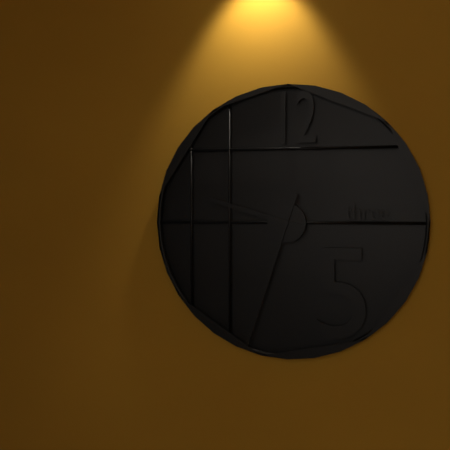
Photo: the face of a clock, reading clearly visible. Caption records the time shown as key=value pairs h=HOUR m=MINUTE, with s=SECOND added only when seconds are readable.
h=9 m=33
